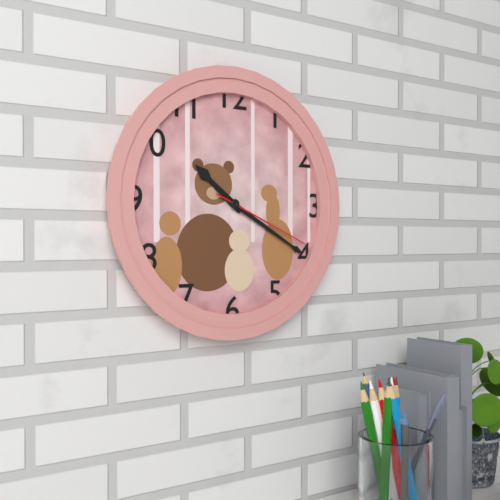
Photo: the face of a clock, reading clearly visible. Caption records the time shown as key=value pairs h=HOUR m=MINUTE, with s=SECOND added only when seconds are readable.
h=10 m=20 s=19
